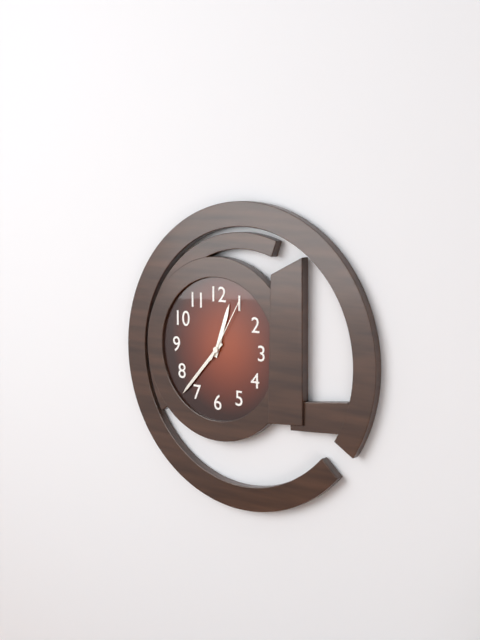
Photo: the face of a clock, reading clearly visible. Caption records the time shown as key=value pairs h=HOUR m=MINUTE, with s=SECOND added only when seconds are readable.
h=12 m=37 s=5
